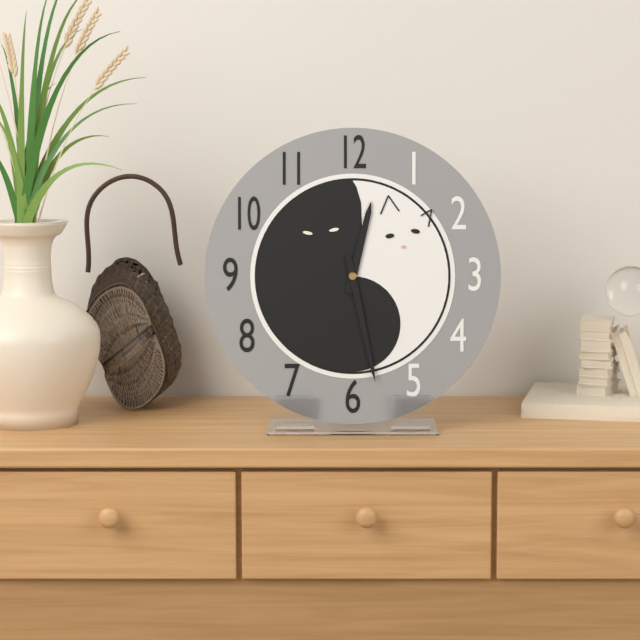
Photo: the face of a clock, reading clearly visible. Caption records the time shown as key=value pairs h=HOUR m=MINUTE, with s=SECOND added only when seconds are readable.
h=12 m=28
